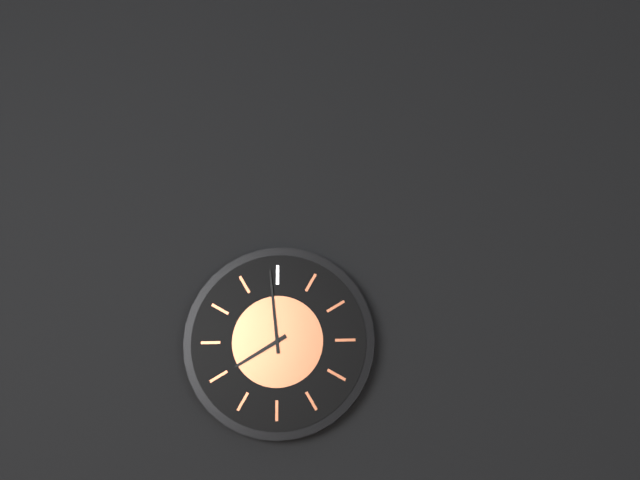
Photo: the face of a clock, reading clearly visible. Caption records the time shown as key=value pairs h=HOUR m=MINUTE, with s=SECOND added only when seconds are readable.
h=7 m=59
